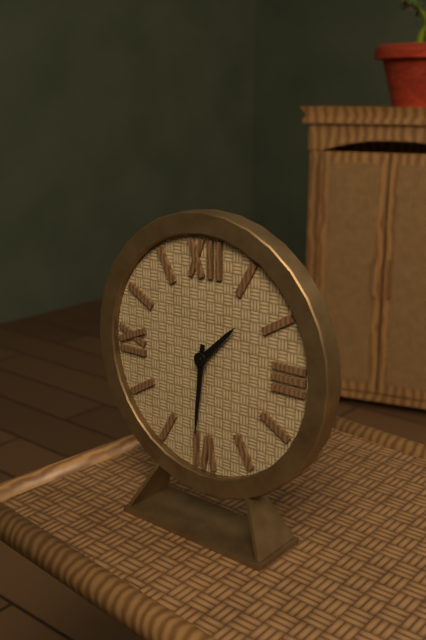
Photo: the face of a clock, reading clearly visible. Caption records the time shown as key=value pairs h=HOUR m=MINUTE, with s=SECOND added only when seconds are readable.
h=1 m=31
